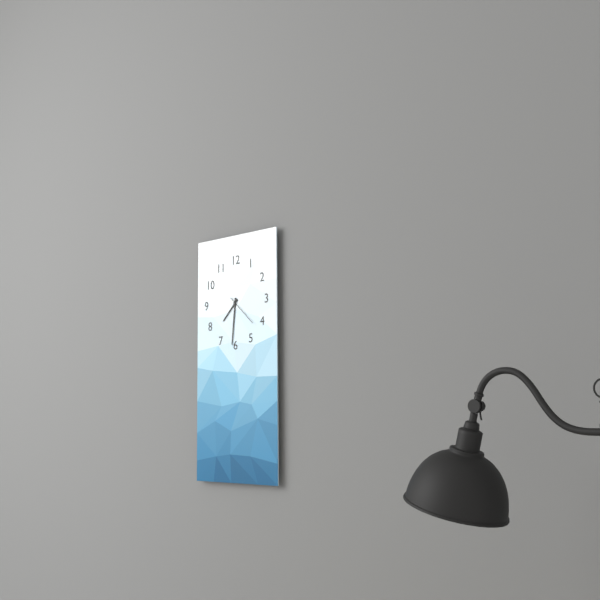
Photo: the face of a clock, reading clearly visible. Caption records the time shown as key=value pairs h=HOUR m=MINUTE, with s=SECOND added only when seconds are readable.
h=7 m=31
